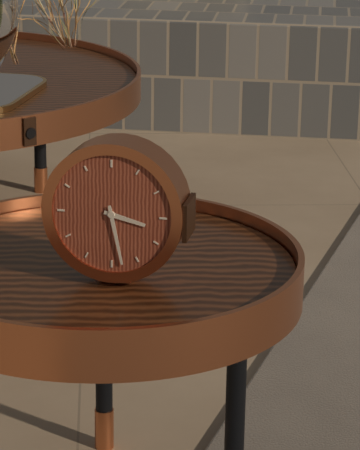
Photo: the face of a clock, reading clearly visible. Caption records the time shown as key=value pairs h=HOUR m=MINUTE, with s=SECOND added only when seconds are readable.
h=3 m=28
